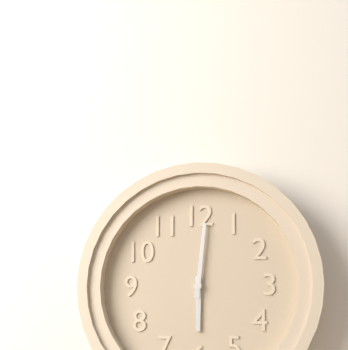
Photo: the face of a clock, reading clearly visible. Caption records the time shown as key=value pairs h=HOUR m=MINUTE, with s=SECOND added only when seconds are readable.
h=6 m=1
